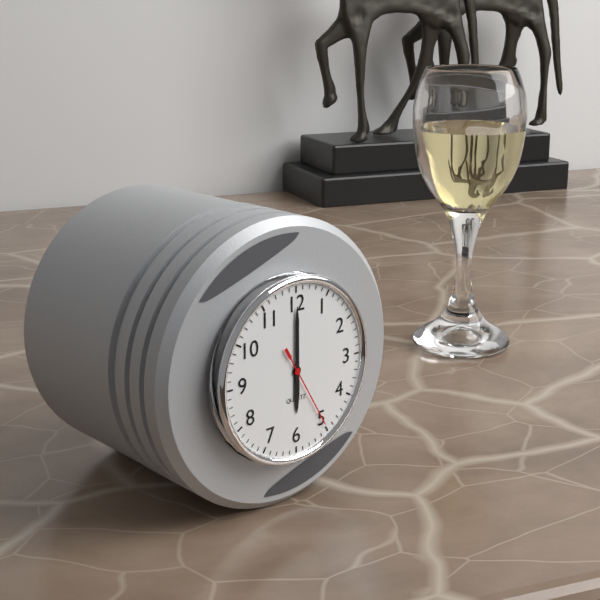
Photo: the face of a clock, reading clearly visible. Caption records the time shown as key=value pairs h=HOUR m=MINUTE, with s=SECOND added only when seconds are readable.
h=6 m=0 s=25
